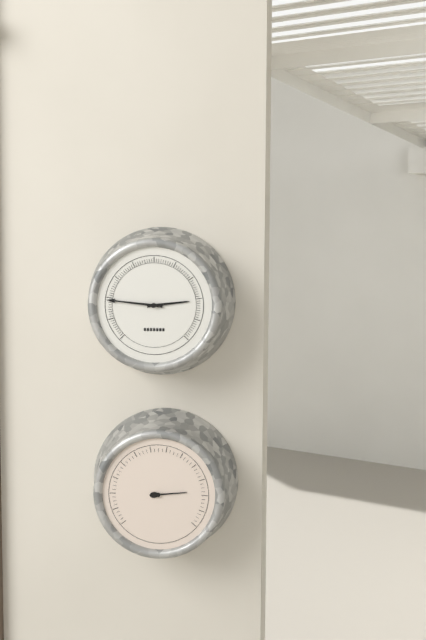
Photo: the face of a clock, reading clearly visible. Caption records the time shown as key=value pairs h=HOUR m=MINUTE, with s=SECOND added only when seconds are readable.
h=2 m=46
